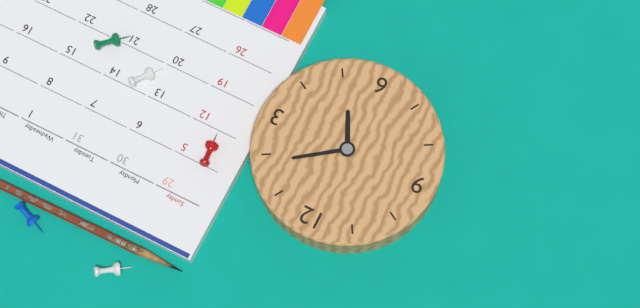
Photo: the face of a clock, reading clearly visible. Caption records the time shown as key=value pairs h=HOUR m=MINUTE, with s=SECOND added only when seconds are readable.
h=5 m=9
